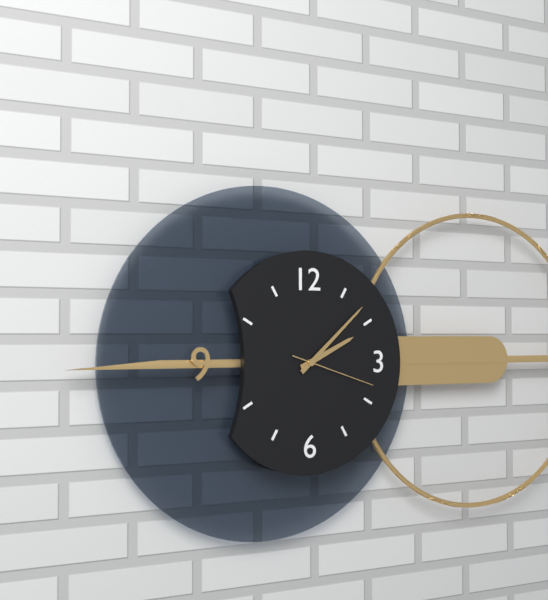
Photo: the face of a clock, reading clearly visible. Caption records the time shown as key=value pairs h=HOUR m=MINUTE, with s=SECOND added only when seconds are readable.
h=2 m=8 s=18
